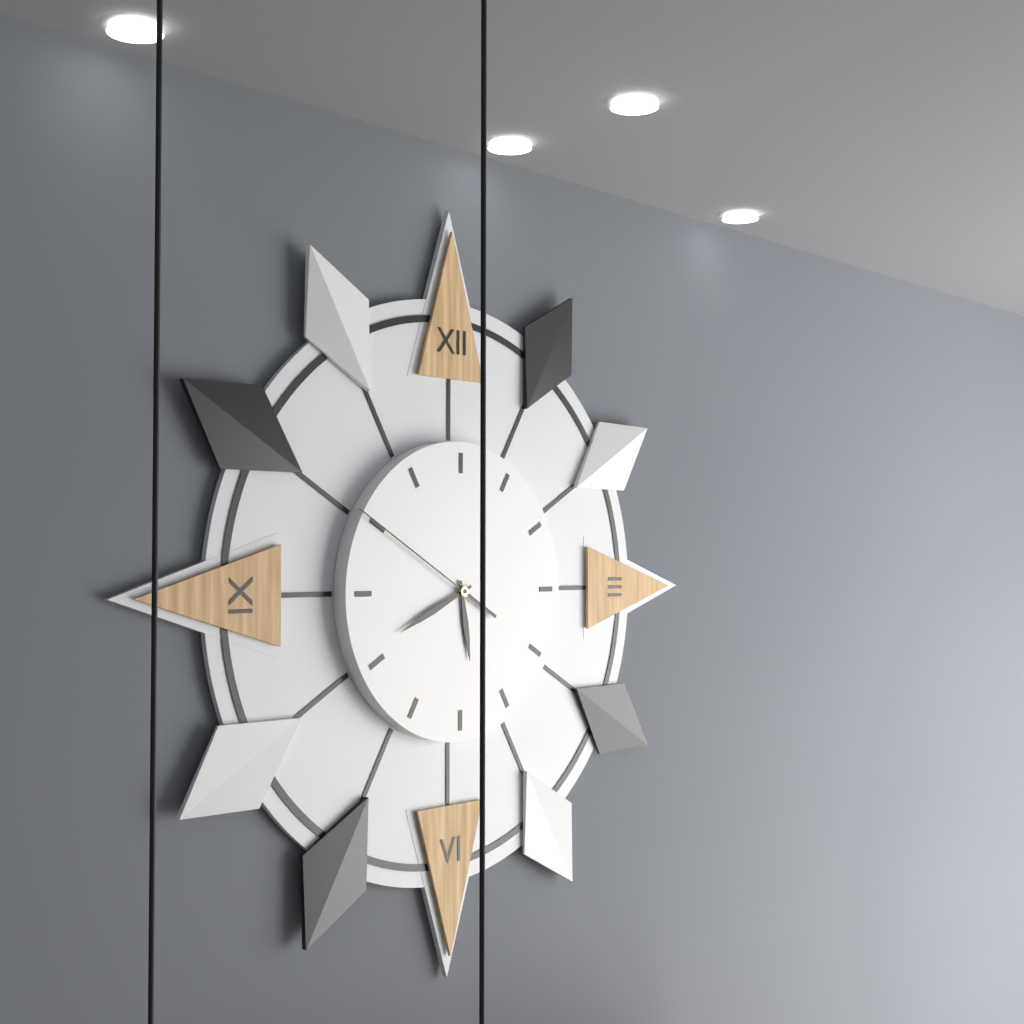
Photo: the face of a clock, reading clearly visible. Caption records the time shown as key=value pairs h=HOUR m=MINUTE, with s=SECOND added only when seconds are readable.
h=5 m=41 s=50
